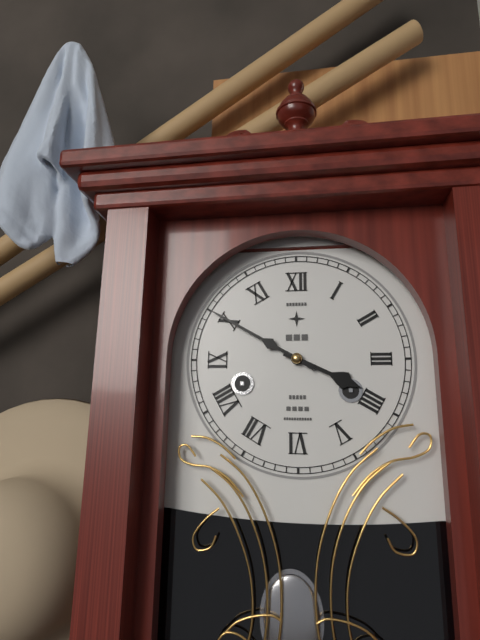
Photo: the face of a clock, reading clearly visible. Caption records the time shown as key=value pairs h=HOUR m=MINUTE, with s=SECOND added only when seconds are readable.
h=3 m=50
